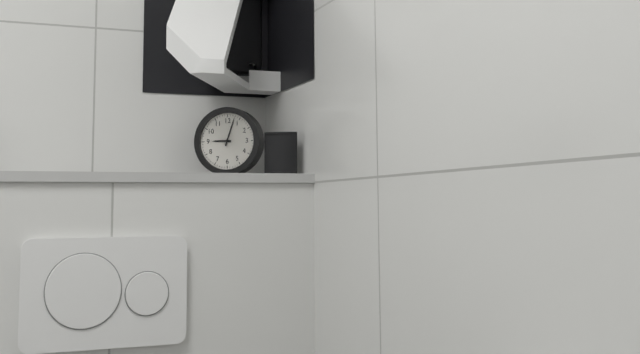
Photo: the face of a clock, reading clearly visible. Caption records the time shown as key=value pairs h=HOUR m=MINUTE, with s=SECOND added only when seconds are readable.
h=9 m=3
